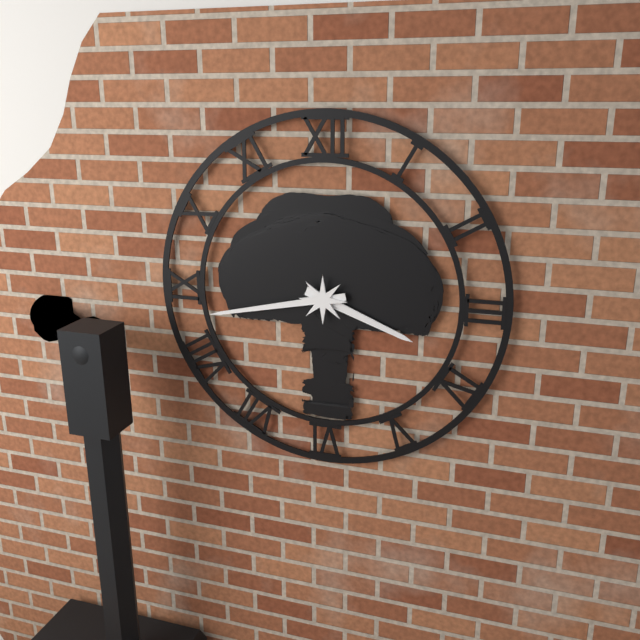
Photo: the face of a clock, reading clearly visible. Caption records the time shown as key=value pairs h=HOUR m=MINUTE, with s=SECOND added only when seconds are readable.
h=3 m=43
